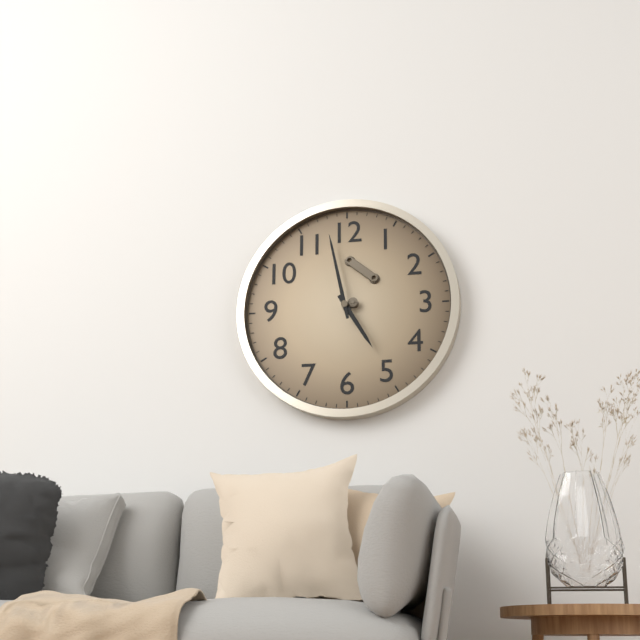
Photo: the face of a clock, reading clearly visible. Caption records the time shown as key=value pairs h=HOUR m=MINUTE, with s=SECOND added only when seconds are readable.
h=4 m=58
